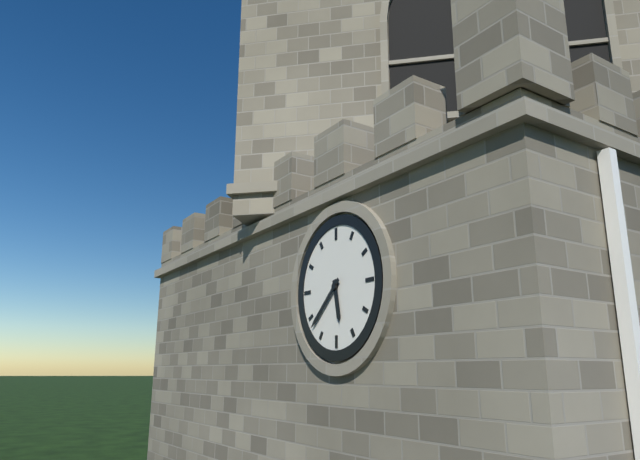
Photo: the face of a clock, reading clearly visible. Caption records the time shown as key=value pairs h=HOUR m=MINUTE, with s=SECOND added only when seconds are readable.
h=5 m=38
